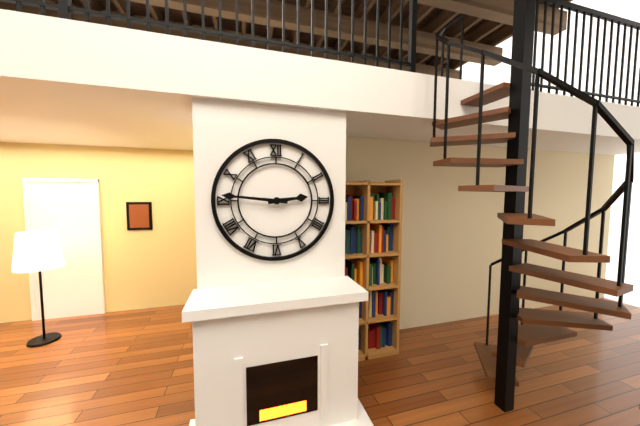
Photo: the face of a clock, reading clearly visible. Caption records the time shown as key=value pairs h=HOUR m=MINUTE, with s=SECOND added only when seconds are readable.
h=2 m=46
